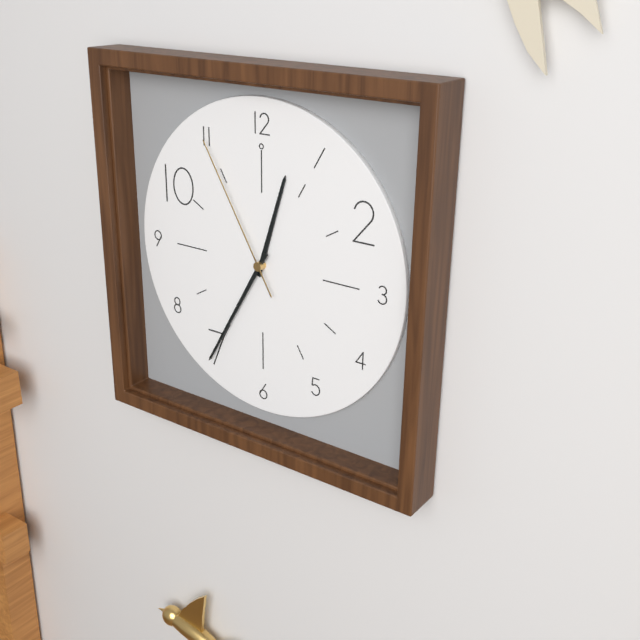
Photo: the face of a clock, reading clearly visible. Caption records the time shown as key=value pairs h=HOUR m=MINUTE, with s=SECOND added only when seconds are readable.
h=12 m=35 s=55
